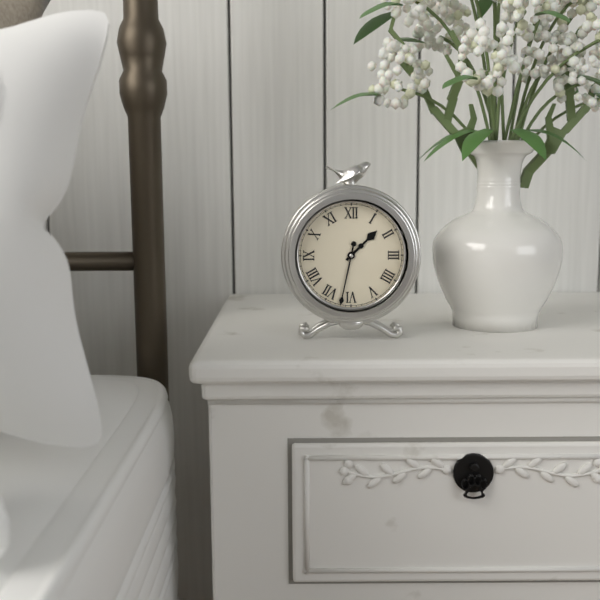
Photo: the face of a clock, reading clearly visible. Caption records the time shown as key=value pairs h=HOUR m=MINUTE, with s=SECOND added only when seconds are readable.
h=1 m=32
